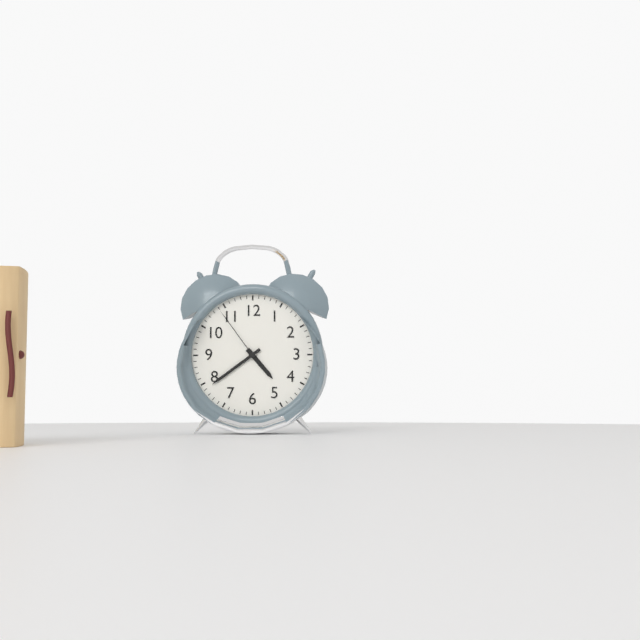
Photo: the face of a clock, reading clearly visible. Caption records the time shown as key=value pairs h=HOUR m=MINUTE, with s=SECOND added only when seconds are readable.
h=4 m=39 s=54
